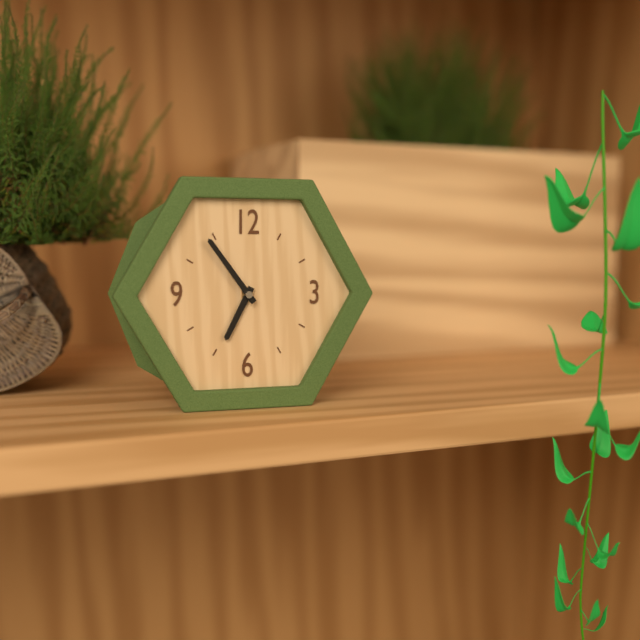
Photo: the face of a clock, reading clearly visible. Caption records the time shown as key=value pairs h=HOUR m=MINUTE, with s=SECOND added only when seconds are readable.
h=6 m=54
